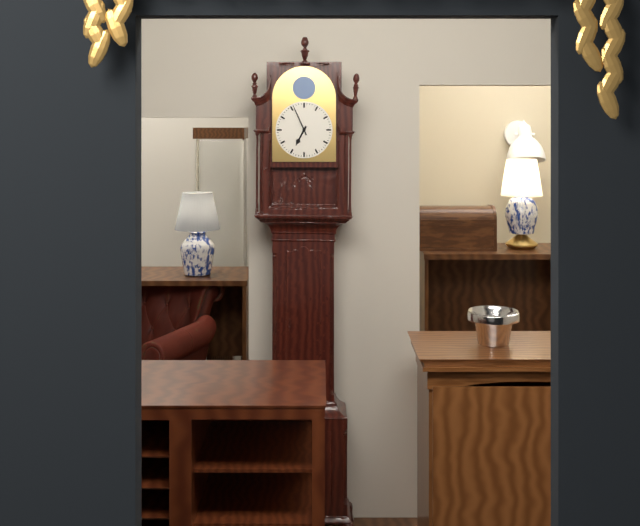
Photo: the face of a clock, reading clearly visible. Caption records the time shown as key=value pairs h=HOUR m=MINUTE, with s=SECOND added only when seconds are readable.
h=6 m=56
